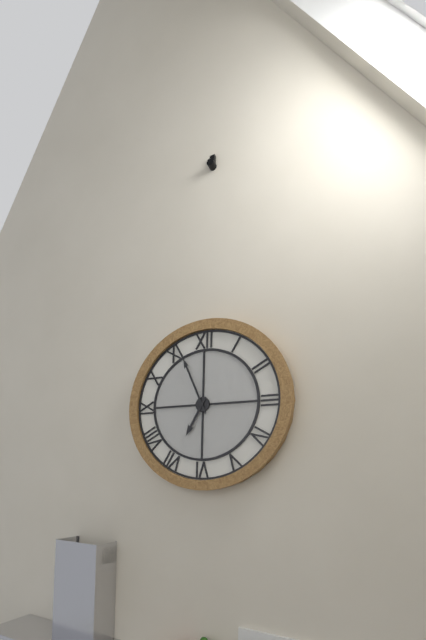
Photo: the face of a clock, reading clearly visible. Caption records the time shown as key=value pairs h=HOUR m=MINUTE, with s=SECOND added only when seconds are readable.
h=6 m=56
